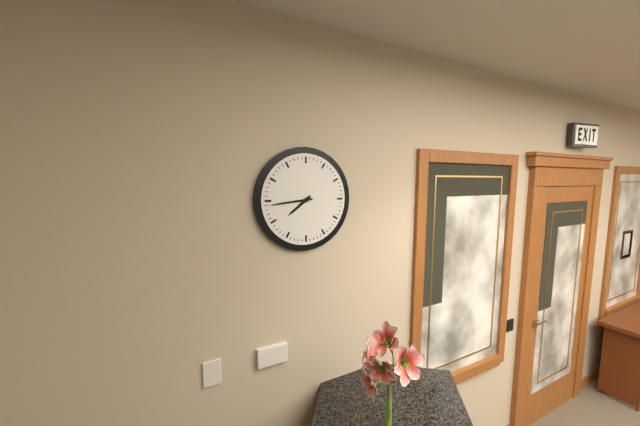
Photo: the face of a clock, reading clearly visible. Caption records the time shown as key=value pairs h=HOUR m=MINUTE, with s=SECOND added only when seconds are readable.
h=7 m=44
